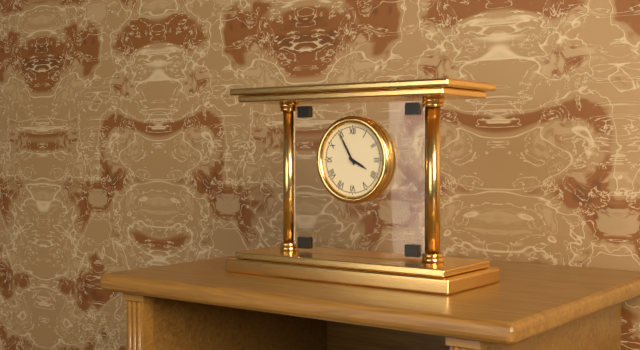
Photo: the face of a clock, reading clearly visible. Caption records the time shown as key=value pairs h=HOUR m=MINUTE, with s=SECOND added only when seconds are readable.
h=3 m=55
